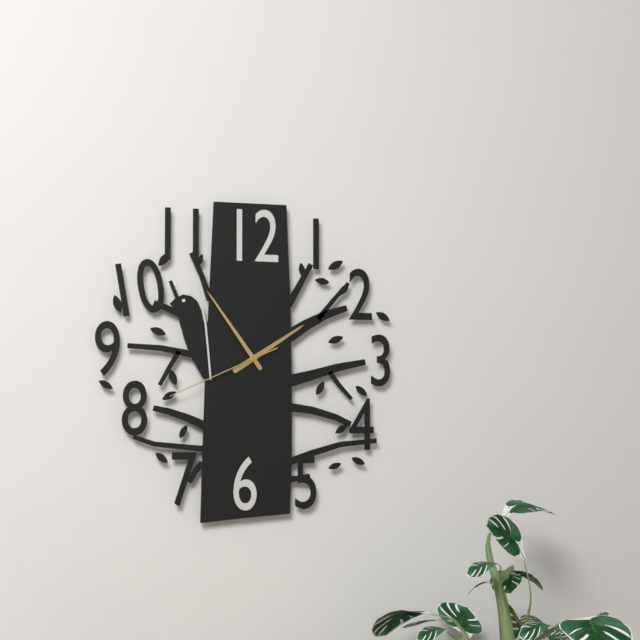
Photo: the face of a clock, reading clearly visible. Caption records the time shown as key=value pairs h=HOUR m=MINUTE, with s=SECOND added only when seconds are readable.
h=1 m=54 s=41
